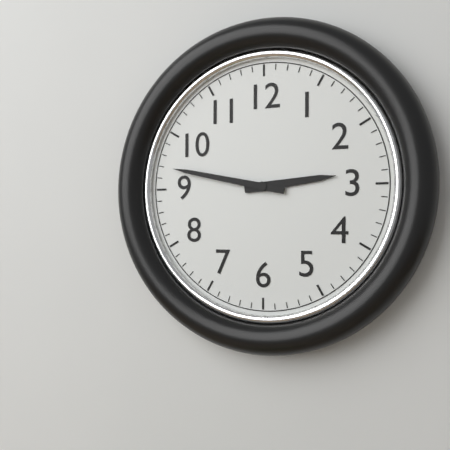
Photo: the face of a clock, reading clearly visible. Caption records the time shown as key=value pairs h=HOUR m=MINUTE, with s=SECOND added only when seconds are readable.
h=2 m=47
